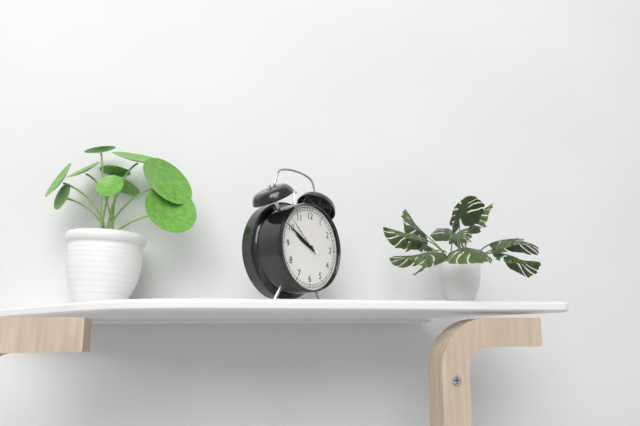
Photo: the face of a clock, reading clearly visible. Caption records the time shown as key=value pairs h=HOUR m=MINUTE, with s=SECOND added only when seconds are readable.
h=9 m=50
